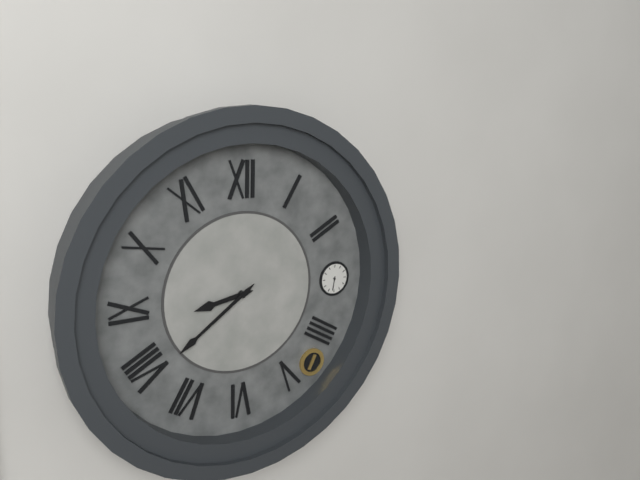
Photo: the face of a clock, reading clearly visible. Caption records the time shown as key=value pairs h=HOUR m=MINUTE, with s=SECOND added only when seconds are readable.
h=8 m=39
